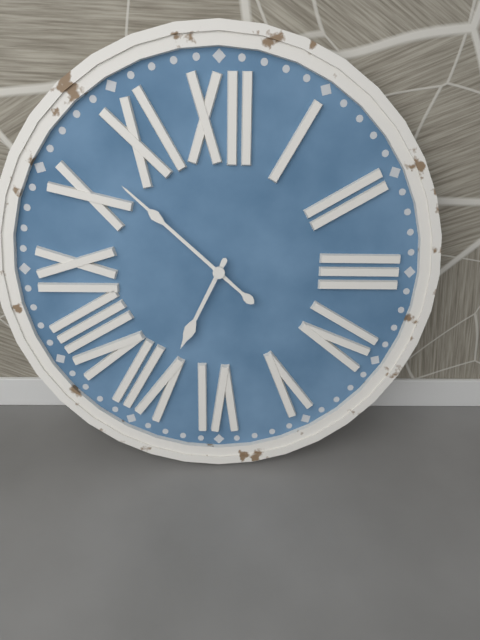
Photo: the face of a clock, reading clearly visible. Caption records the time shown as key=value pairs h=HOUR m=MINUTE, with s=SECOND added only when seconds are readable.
h=6 m=52
